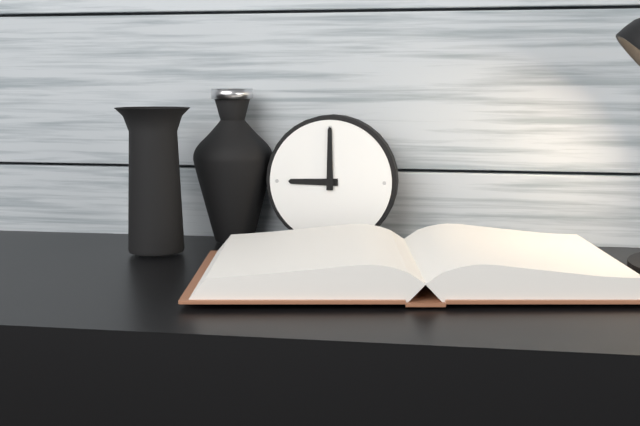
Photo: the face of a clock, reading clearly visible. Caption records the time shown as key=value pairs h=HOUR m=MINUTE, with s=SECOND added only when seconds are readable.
h=9 m=0
